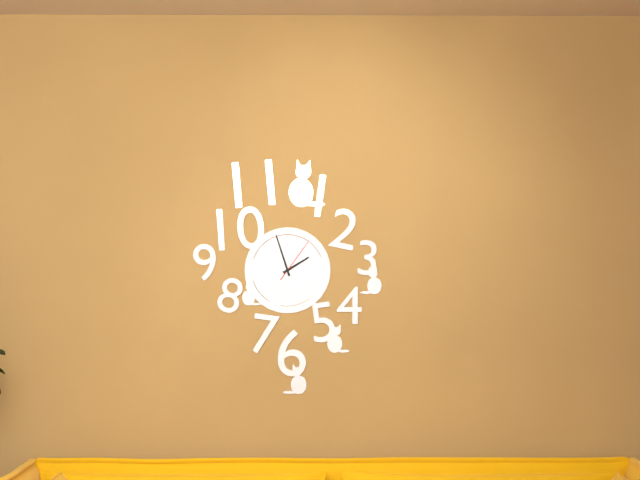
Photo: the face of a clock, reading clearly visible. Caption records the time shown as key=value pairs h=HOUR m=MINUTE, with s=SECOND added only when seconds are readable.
h=1 m=57
